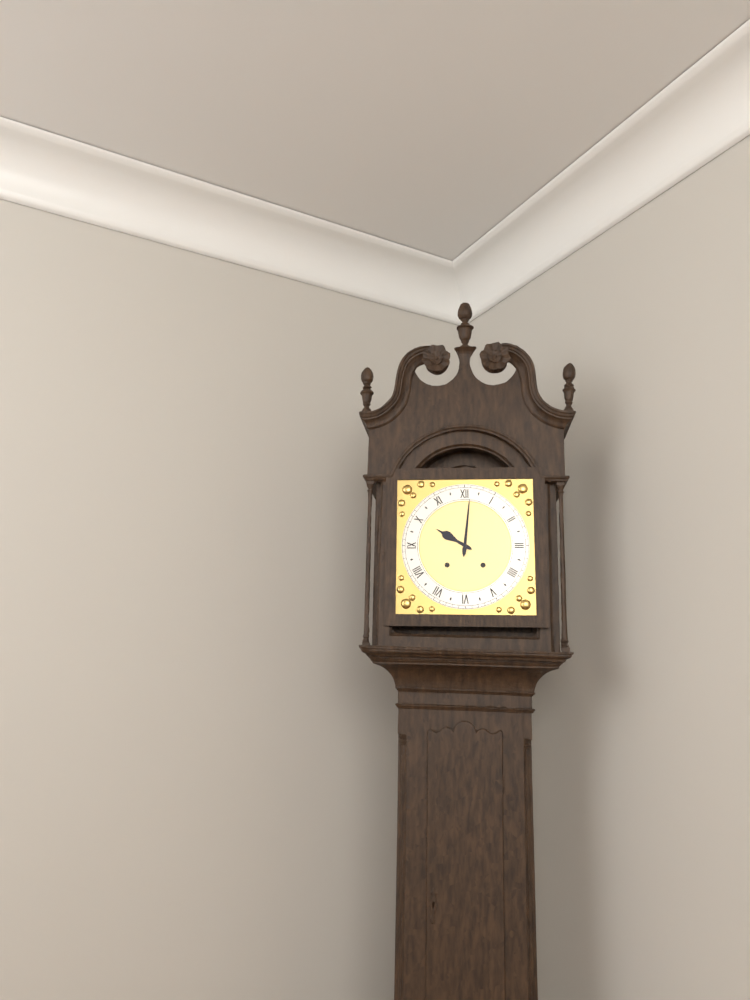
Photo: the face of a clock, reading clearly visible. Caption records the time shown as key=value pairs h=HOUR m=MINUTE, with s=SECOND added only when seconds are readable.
h=10 m=1
